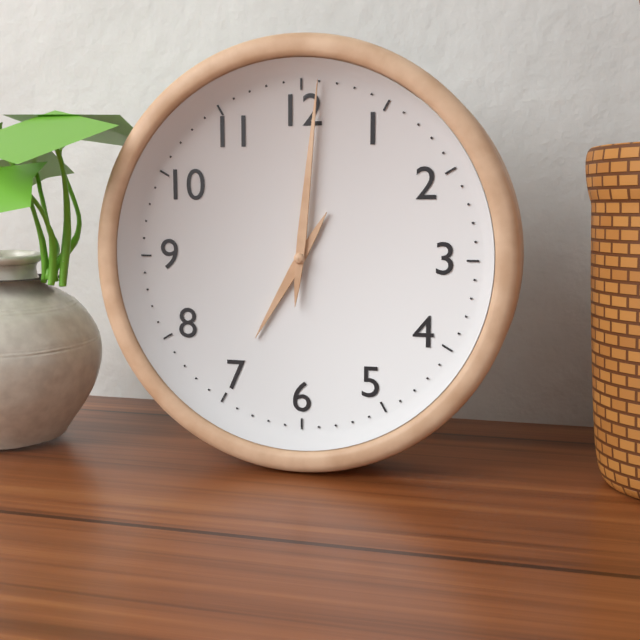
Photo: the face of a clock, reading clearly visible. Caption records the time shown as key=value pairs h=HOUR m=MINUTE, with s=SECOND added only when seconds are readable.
h=7 m=1
